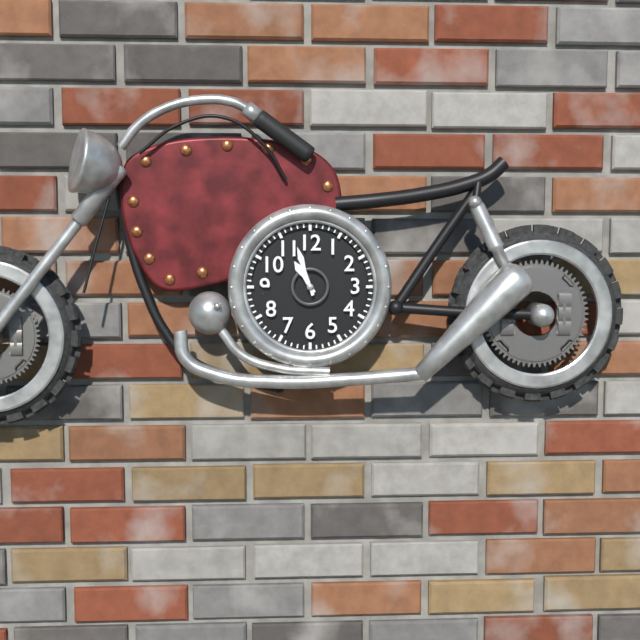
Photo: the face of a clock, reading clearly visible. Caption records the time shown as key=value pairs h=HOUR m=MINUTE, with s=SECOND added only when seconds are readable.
h=10 m=57
